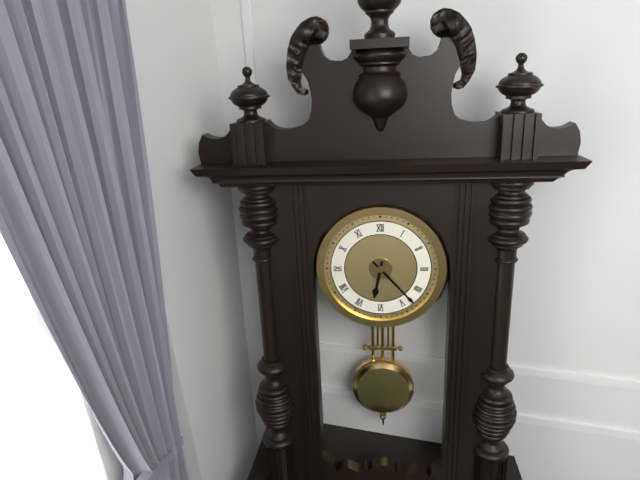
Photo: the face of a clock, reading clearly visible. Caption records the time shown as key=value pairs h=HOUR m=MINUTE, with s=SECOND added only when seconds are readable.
h=6 m=23
